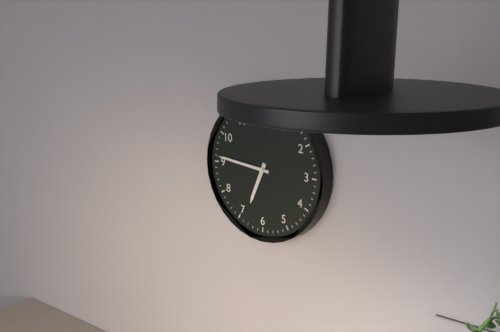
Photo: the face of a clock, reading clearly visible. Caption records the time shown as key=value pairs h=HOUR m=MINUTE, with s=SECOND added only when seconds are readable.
h=6 m=46
